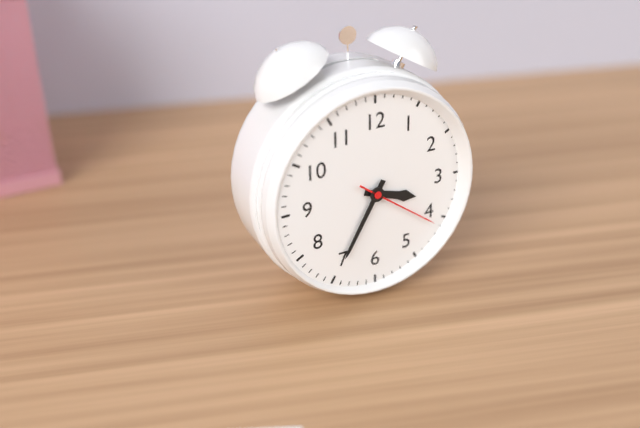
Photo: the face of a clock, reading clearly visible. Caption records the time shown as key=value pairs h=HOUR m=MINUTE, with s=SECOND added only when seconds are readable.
h=3 m=35 s=21
